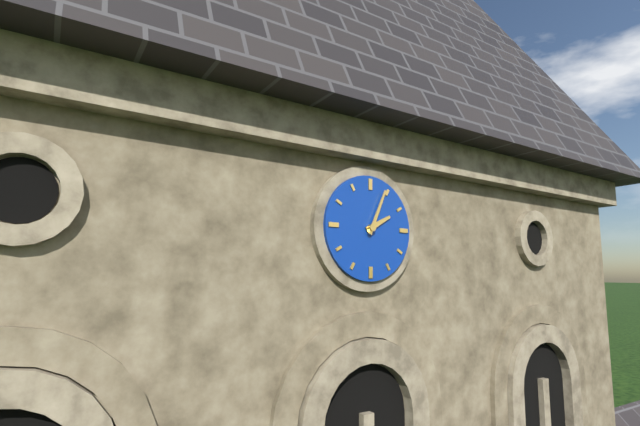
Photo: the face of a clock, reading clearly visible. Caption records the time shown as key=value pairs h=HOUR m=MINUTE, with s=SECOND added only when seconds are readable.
h=2 m=4
